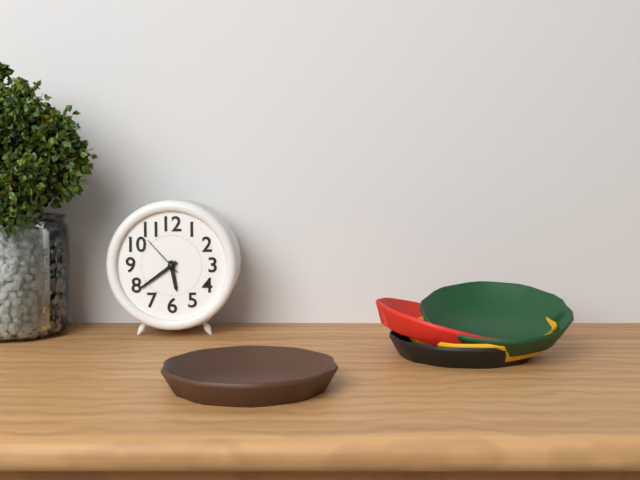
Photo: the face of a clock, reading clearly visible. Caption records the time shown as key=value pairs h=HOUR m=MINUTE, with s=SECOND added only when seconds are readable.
h=5 m=39
